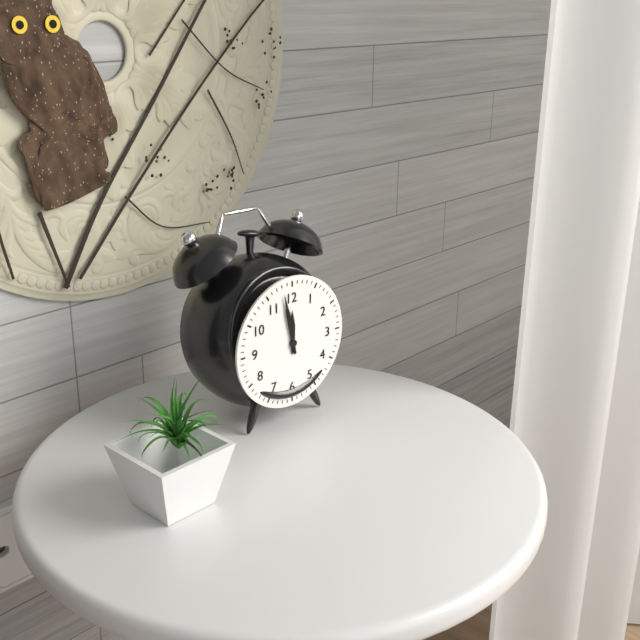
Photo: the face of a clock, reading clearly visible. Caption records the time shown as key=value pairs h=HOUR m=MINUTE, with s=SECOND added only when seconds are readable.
h=11 m=58
